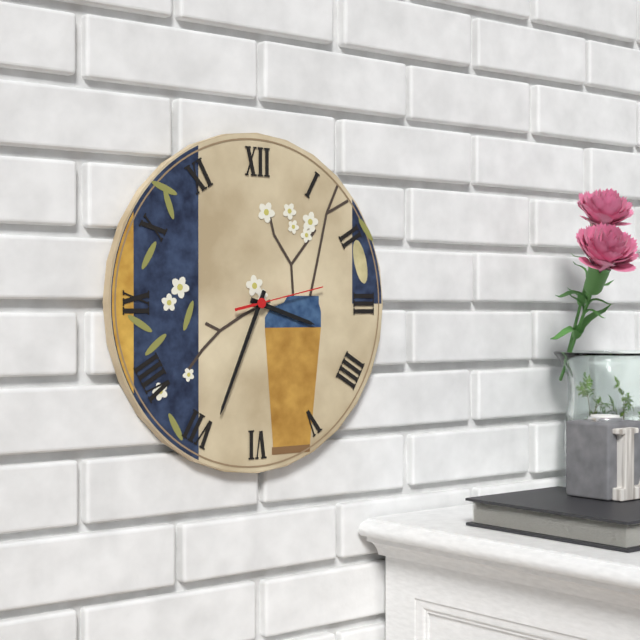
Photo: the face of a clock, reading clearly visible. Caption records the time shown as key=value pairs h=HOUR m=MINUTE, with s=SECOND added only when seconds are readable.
h=3 m=34 s=13
